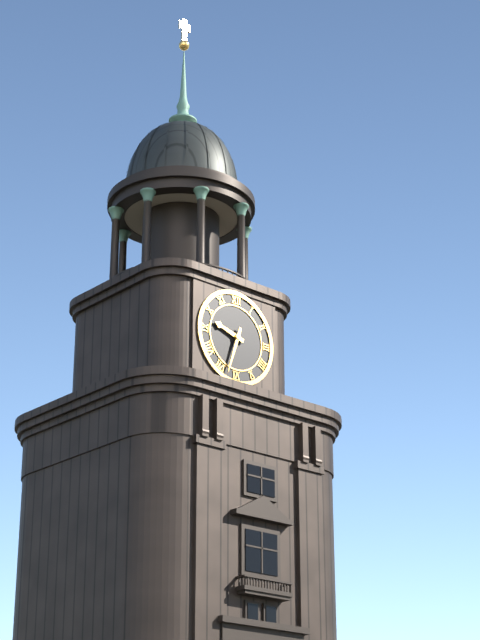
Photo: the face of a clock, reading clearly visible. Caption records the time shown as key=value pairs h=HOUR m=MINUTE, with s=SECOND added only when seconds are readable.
h=9 m=33
